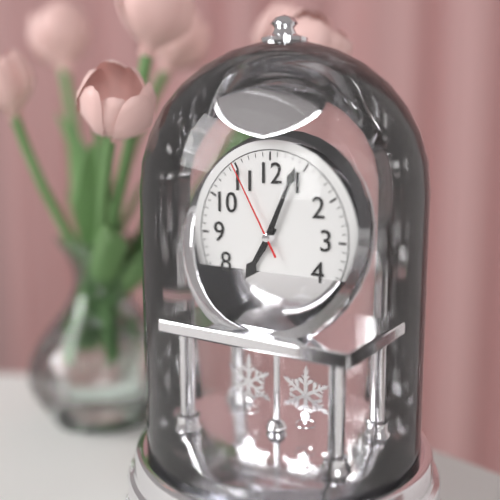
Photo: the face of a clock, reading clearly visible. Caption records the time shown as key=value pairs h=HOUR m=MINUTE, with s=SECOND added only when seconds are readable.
h=7 m=4 s=55
